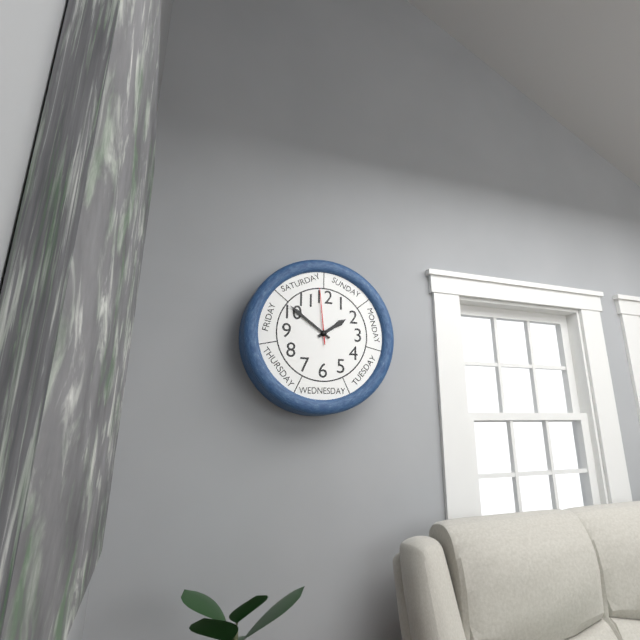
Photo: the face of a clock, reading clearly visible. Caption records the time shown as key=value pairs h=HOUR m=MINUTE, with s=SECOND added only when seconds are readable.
h=1 m=51 s=59
